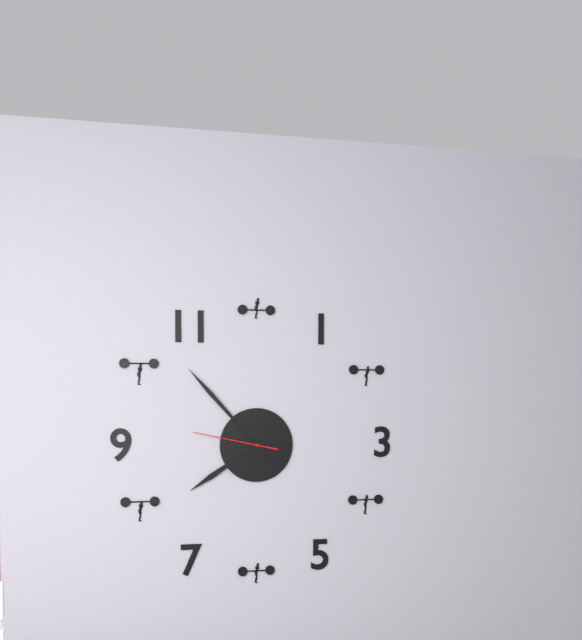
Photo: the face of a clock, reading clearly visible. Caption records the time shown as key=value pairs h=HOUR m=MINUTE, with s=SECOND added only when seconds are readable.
h=7 m=53 s=47
